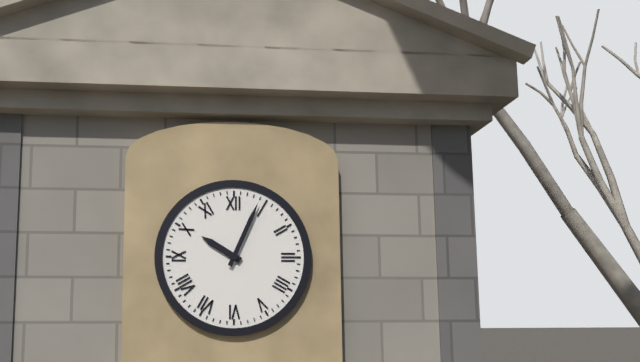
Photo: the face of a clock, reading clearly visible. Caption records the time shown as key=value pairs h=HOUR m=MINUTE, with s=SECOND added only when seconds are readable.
h=10 m=4
